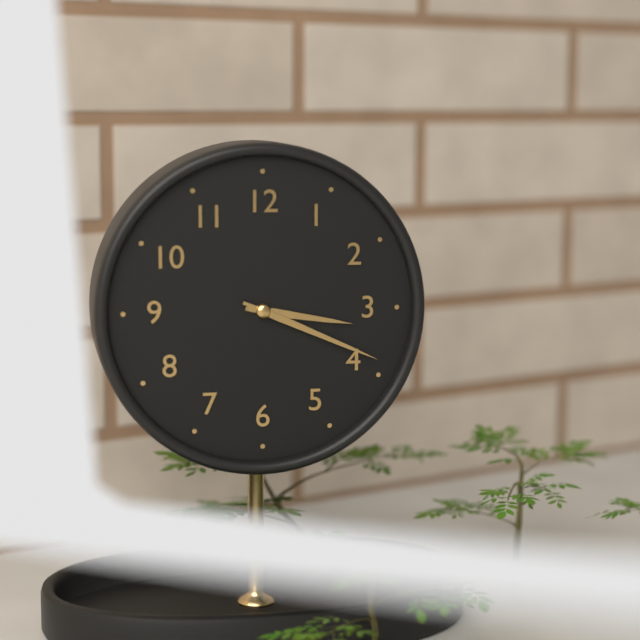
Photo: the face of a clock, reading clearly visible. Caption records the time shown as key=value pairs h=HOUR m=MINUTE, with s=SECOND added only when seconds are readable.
h=3 m=19
